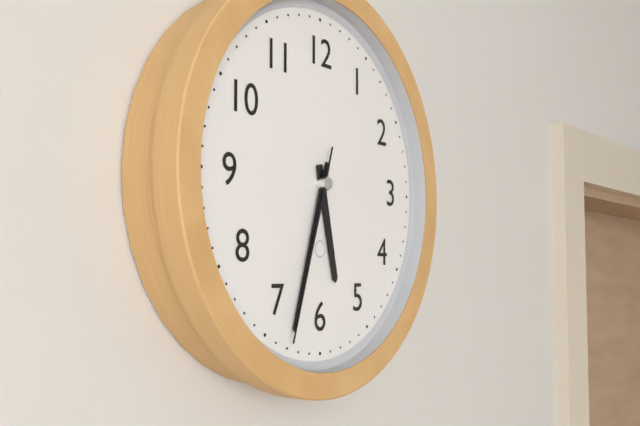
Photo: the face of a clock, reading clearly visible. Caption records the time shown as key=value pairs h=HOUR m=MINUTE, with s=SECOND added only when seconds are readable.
h=5 m=33 s=33
